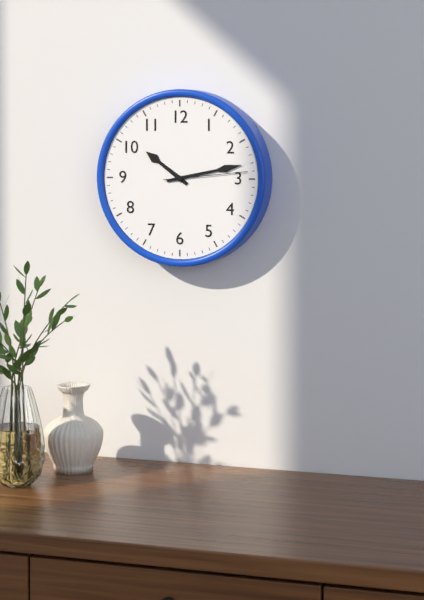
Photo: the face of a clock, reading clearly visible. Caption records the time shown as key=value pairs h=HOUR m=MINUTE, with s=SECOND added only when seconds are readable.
h=10 m=13 s=14
